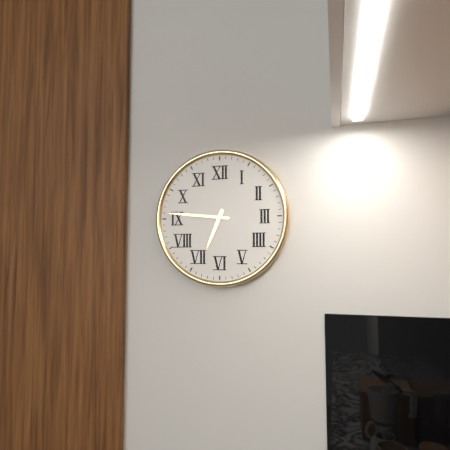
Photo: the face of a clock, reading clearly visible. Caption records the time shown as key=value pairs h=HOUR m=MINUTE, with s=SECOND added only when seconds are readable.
h=6 m=46
